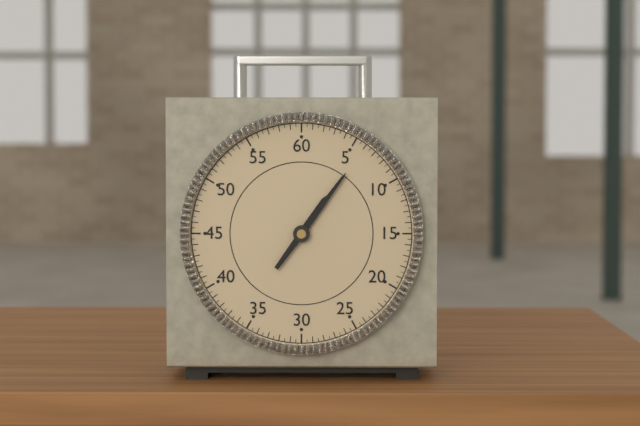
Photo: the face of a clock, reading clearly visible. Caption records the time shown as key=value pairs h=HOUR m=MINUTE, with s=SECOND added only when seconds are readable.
h=1 m=6
